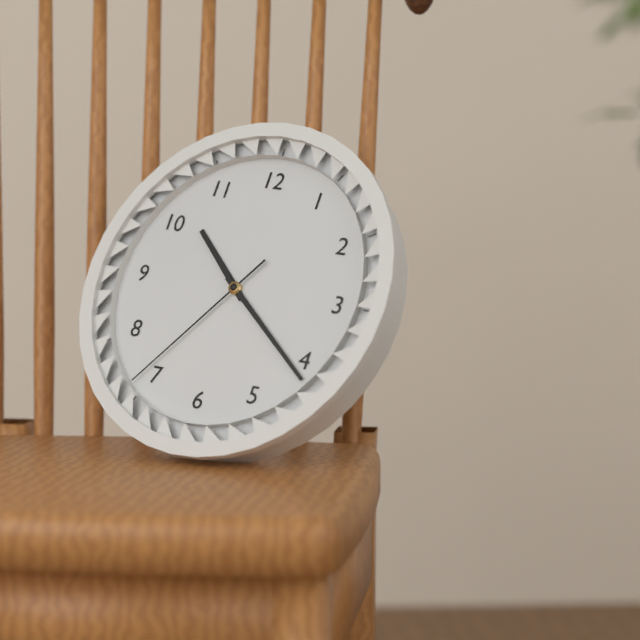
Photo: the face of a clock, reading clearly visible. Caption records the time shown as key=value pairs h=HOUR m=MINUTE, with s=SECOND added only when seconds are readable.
h=10 m=21 s=36
